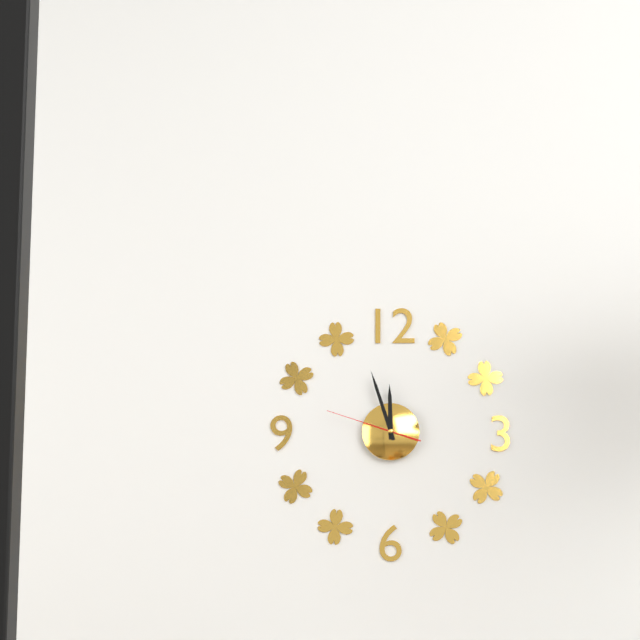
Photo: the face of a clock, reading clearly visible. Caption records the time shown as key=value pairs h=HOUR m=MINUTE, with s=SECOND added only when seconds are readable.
h=11 m=57 s=48
